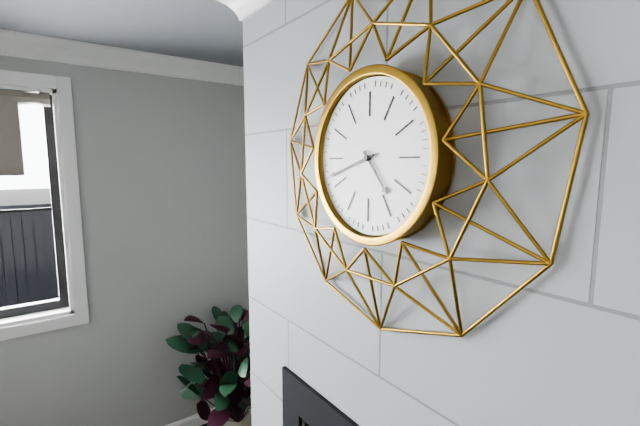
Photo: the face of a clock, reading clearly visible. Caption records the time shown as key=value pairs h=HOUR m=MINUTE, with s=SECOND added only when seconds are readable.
h=4 m=42
